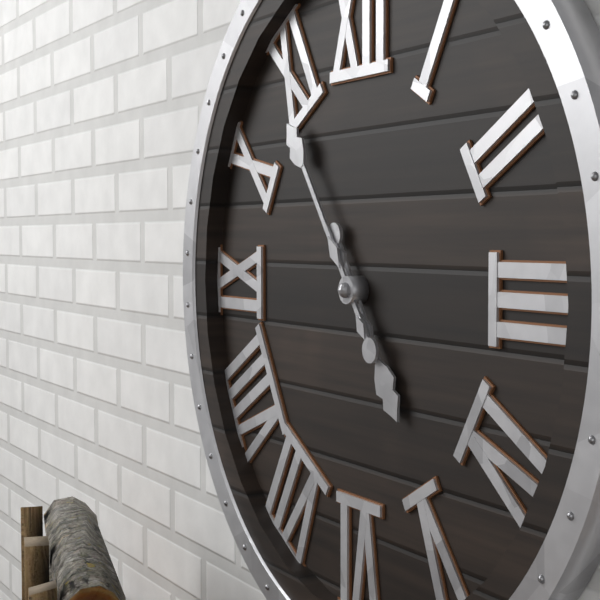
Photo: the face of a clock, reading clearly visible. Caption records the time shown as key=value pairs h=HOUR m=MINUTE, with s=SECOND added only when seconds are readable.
h=4 m=54
